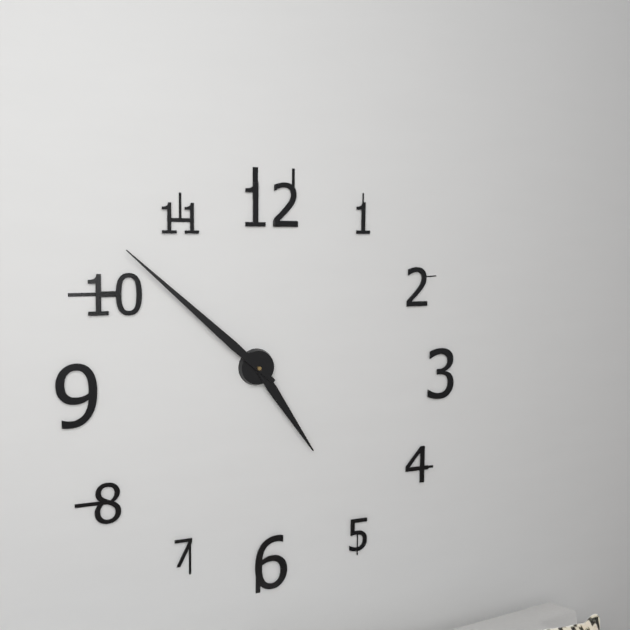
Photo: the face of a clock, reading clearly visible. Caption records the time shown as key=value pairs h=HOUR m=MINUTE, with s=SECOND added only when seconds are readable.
h=4 m=52
